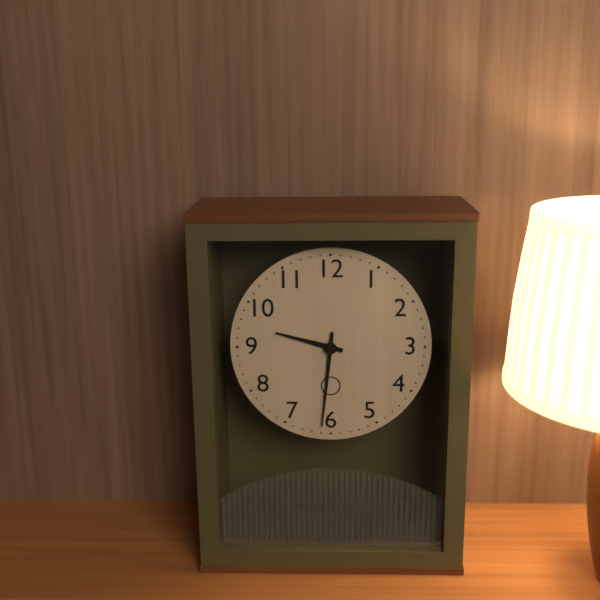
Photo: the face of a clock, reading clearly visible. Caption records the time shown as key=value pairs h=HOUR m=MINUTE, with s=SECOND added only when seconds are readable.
h=9 m=31
